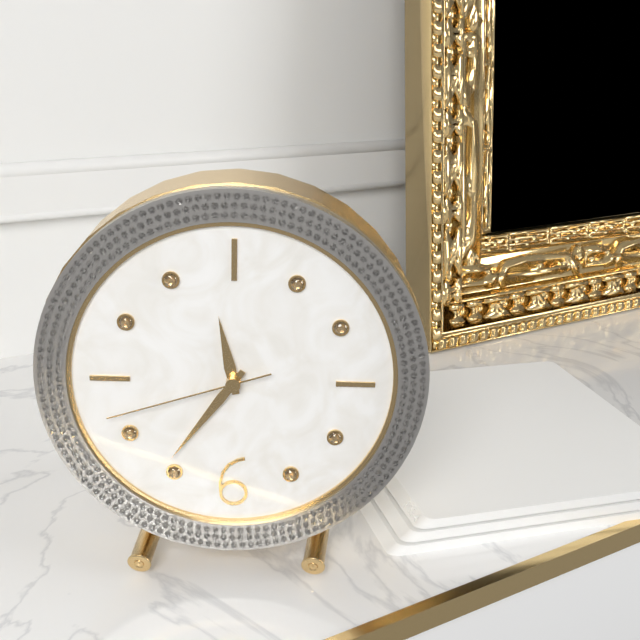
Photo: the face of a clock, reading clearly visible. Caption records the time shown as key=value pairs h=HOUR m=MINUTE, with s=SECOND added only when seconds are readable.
h=11 m=36 s=42
